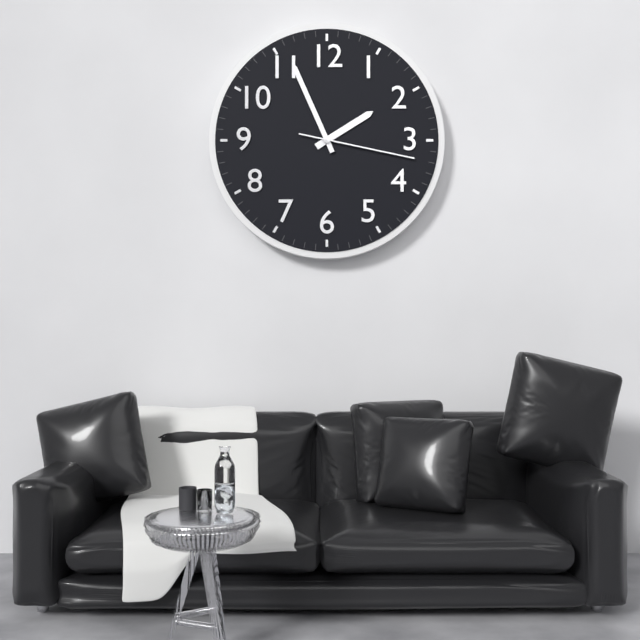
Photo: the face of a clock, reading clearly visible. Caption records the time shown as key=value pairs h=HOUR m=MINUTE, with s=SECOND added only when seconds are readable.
h=1 m=56 s=17
